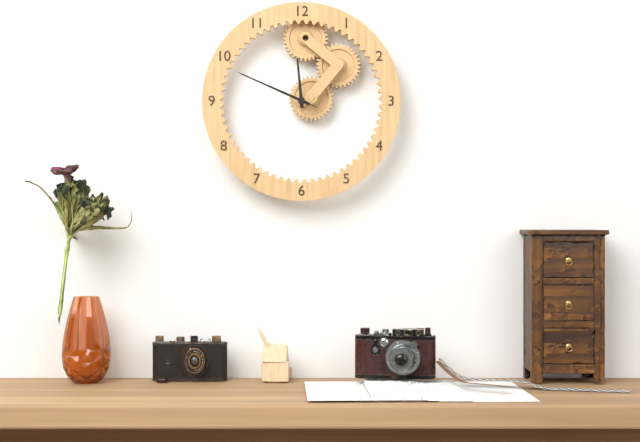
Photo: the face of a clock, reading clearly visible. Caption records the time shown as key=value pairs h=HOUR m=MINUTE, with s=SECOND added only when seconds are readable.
h=11 m=49 s=49
